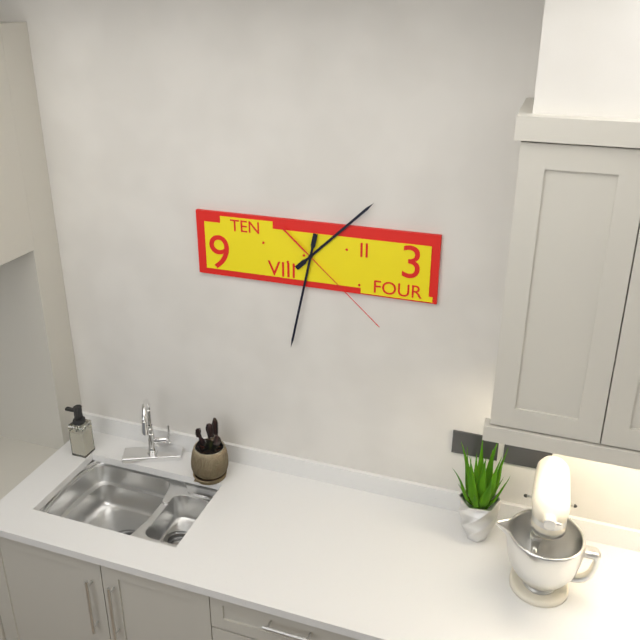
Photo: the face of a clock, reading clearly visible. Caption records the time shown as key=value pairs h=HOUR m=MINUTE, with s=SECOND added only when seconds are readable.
h=1 m=32 s=22
